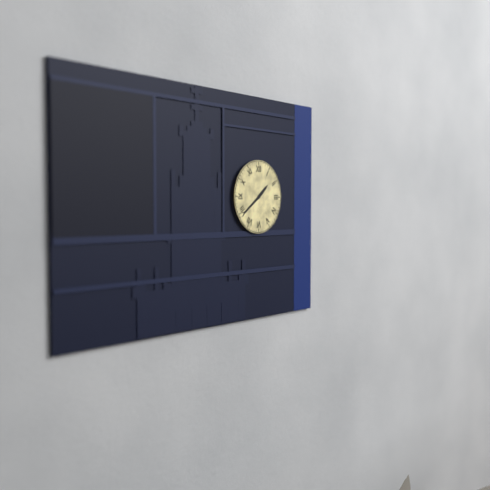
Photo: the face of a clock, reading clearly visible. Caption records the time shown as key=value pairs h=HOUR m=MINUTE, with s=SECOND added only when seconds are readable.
h=1 m=39
